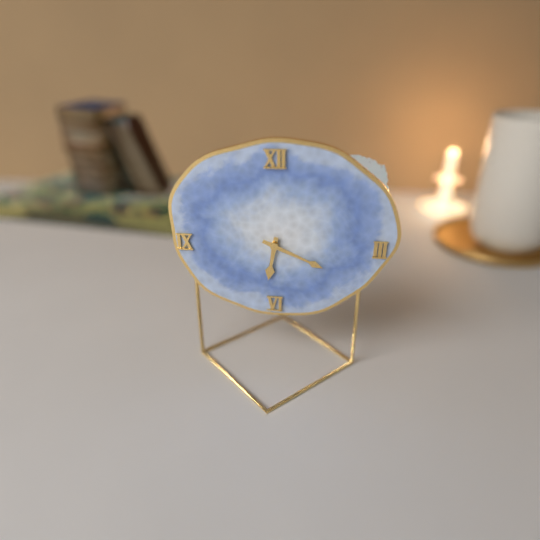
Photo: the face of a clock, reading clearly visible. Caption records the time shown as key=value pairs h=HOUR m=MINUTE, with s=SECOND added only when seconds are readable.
h=6 m=19
